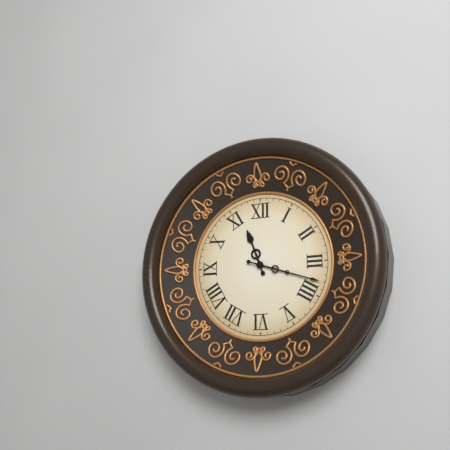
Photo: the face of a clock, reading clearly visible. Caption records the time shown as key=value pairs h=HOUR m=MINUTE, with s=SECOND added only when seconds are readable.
h=11 m=18
